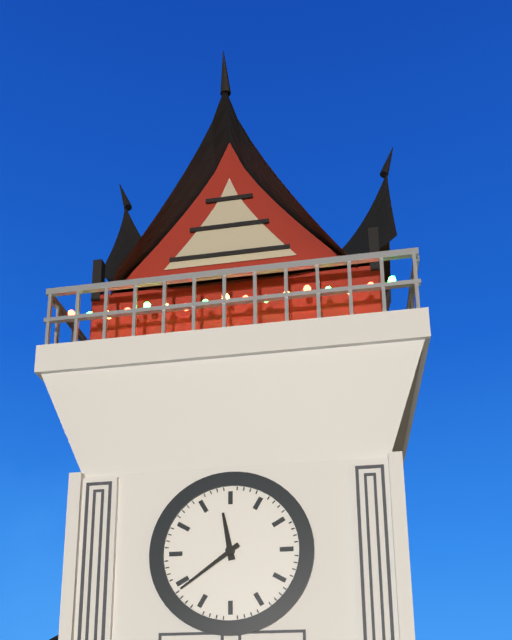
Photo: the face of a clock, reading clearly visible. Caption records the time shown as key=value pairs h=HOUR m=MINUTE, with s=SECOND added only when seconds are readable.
h=11 m=39
